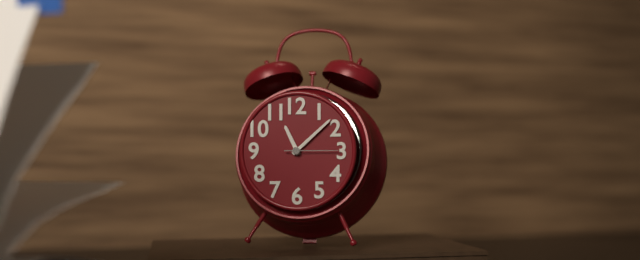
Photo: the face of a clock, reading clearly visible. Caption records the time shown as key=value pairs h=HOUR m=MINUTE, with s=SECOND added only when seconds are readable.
h=11 m=8 s=15
